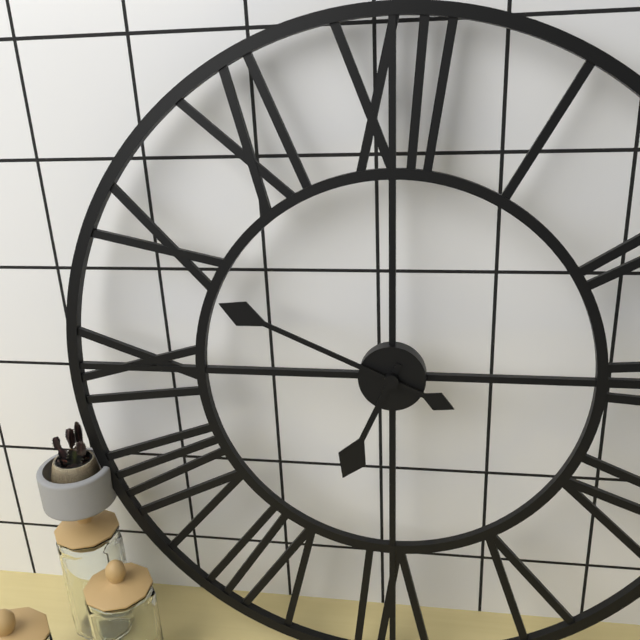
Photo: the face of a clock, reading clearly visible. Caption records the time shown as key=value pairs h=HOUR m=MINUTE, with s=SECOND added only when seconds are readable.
h=6 m=49
